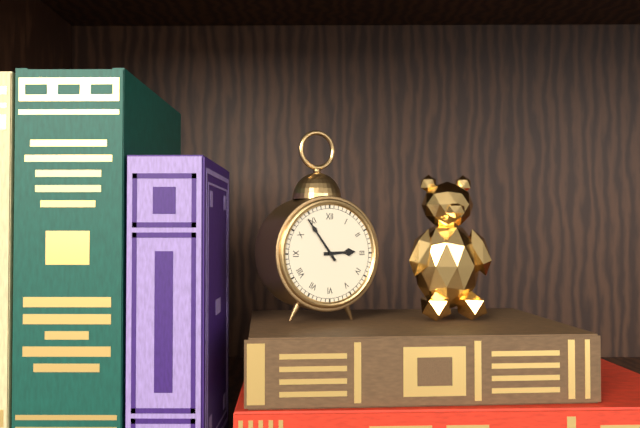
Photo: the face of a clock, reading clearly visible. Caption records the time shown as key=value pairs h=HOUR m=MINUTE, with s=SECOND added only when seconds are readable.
h=2 m=54
